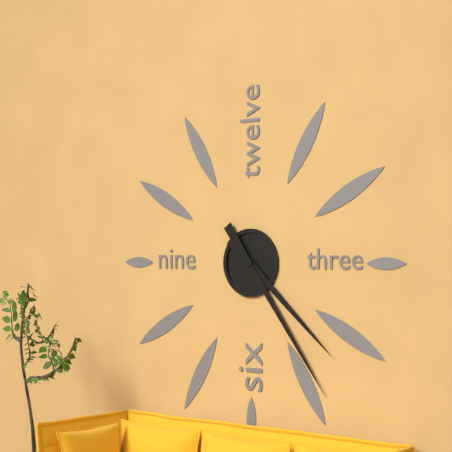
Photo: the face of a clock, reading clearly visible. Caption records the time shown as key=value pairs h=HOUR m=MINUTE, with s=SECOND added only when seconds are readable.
h=4 m=24
